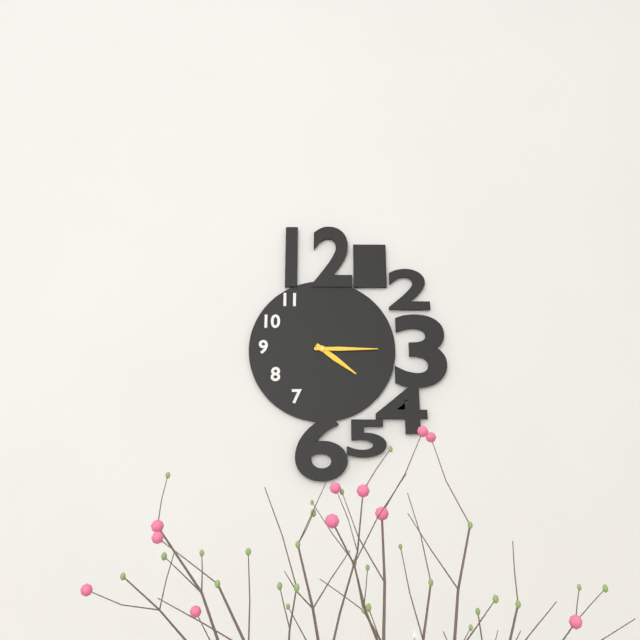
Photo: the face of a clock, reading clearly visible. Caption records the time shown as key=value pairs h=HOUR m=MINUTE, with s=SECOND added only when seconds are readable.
h=4 m=15
